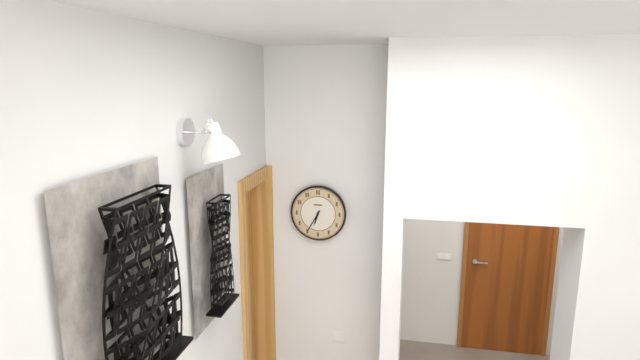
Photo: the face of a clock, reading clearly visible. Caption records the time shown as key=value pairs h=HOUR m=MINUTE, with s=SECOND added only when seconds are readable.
h=6 m=35
